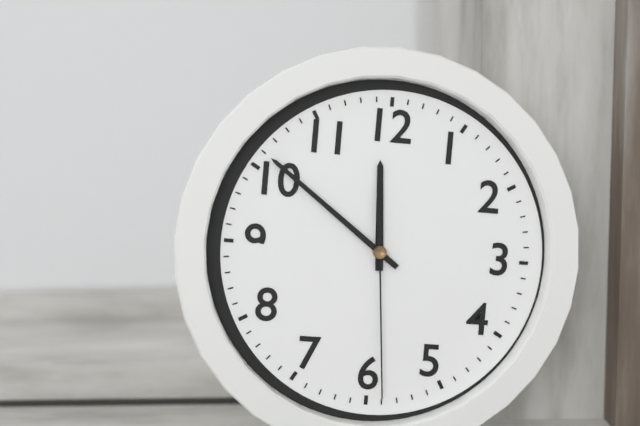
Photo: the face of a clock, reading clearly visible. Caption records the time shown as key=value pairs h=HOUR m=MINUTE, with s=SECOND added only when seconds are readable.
h=11 m=51 s=29
